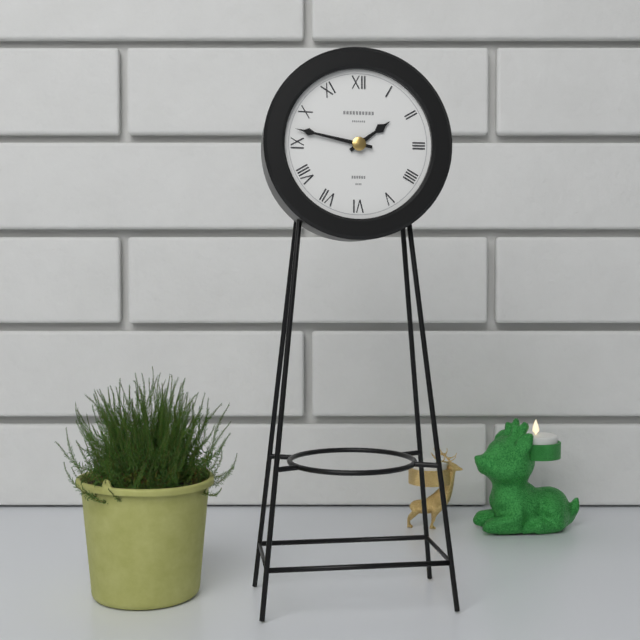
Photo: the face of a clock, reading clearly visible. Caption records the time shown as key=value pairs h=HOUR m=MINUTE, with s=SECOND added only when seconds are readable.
h=1 m=47
